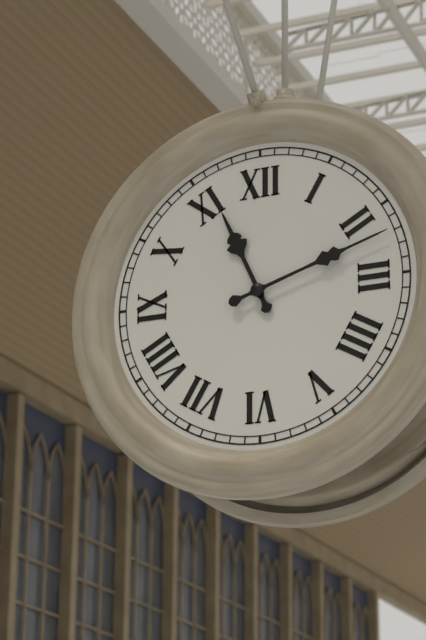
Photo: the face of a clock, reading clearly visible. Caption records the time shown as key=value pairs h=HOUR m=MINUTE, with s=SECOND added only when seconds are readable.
h=11 m=12
